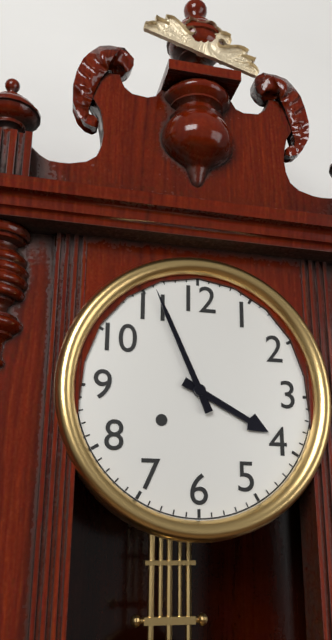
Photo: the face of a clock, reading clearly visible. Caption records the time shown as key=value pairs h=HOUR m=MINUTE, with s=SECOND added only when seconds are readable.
h=3 m=56
